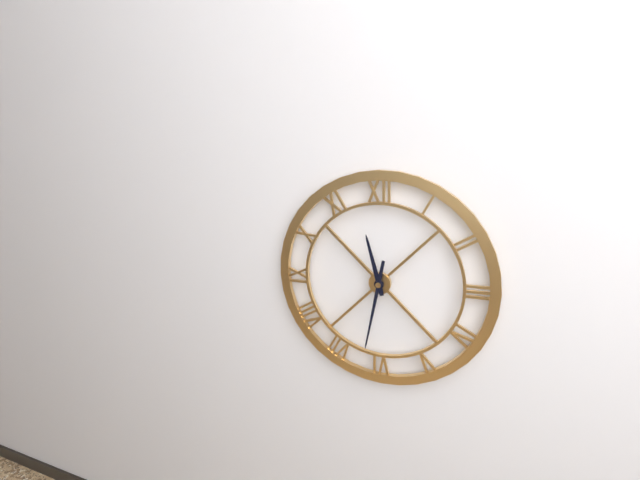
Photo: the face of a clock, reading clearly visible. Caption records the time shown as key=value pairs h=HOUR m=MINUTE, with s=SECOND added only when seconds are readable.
h=11 m=32
